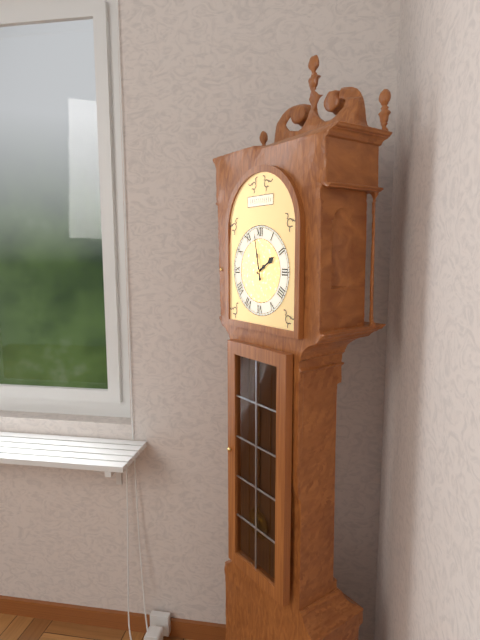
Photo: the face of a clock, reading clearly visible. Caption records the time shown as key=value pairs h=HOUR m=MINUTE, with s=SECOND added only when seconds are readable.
h=1 m=58
